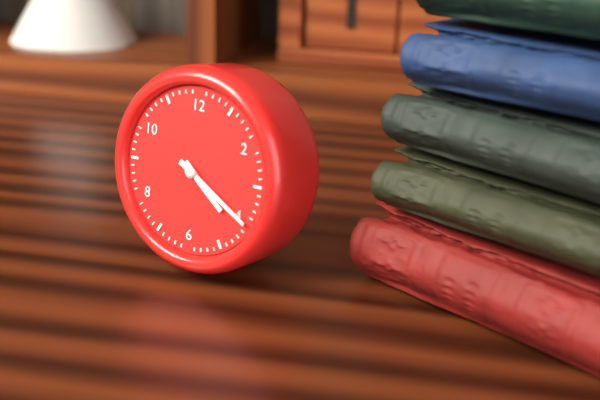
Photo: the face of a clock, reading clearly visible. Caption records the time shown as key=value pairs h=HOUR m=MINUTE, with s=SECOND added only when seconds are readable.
h=4 m=20
